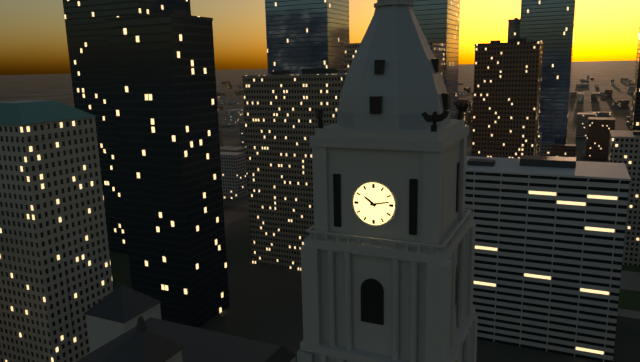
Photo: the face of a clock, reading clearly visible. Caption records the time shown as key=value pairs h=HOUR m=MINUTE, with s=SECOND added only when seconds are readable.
h=10 m=13
